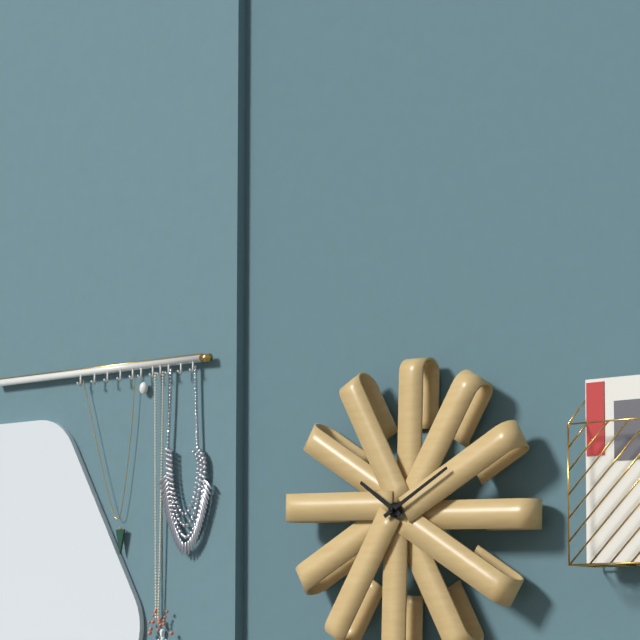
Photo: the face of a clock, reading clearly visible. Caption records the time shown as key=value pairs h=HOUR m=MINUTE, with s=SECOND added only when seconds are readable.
h=10 m=10
